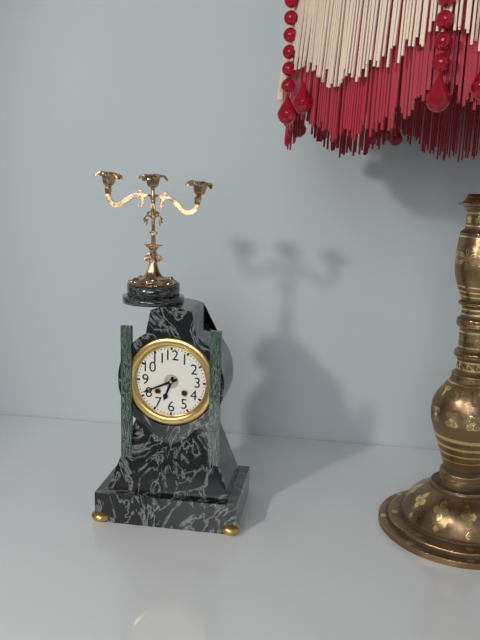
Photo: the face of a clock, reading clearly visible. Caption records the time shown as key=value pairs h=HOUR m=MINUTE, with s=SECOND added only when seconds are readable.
h=6 m=41
